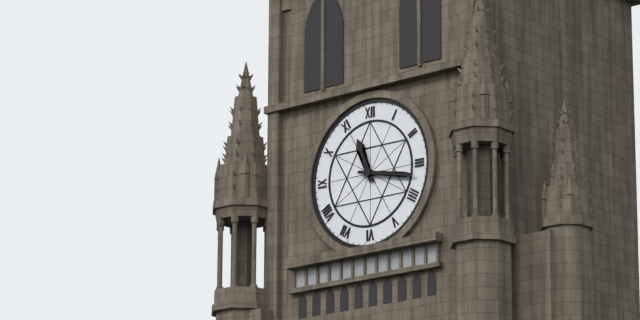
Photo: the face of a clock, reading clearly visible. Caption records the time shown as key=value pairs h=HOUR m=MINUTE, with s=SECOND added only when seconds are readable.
h=11 m=17
